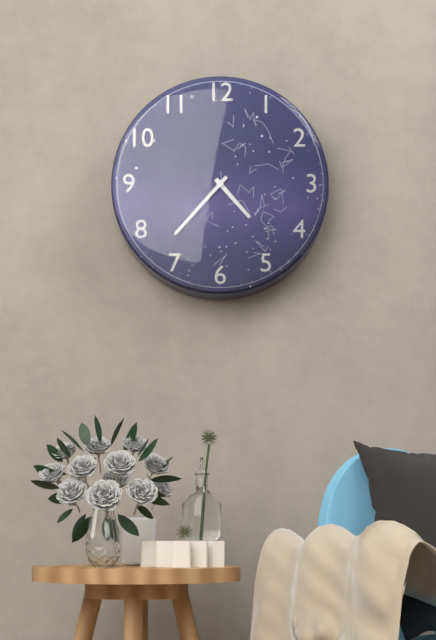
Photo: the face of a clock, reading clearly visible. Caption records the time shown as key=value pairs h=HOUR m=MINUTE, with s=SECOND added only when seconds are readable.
h=4 m=37
